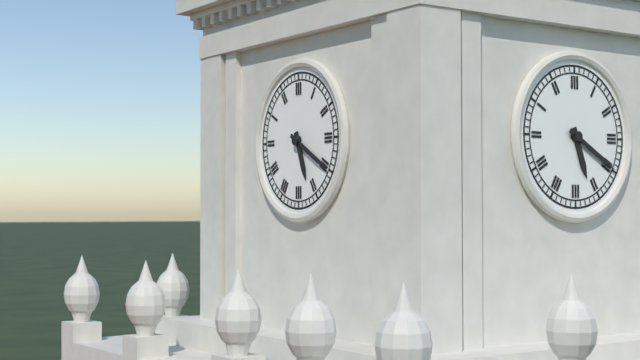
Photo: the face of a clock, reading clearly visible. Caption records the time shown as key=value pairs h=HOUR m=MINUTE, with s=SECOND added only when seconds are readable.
h=5 m=20
